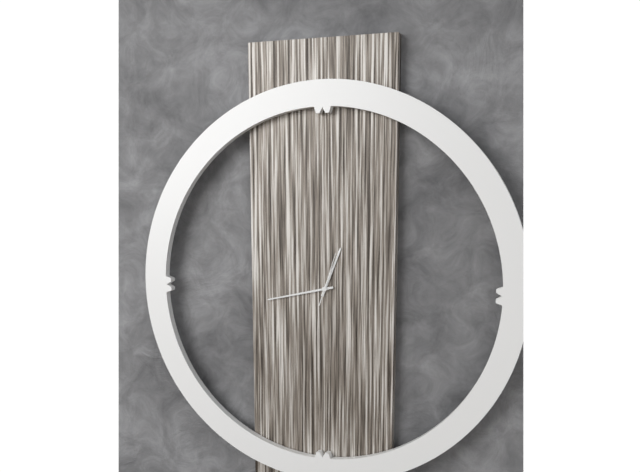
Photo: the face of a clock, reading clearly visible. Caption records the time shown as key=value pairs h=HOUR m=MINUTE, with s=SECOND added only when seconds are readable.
h=12 m=43
